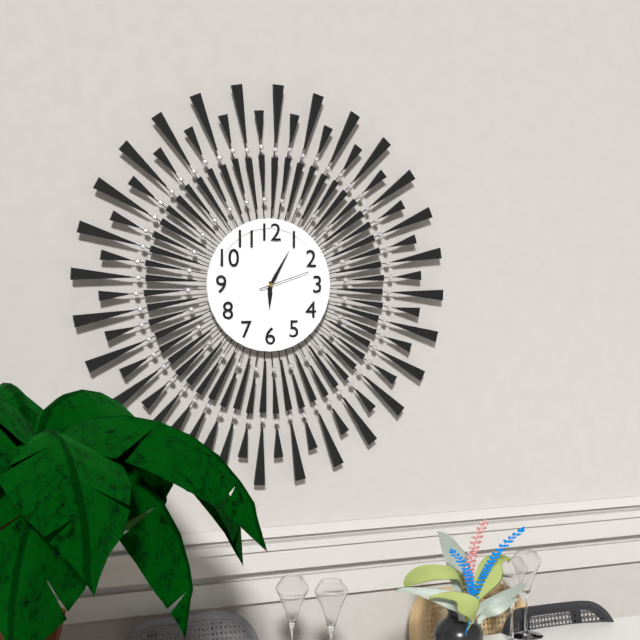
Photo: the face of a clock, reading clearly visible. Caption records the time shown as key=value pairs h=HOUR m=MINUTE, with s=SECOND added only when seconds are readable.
h=6 m=5 s=12
